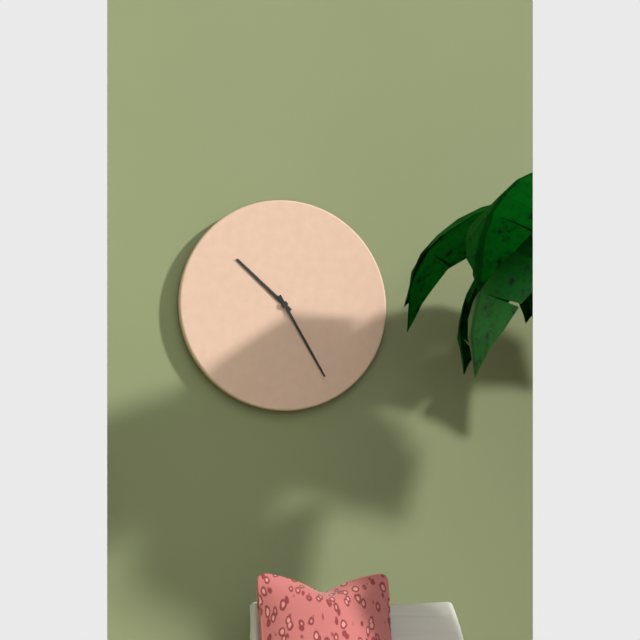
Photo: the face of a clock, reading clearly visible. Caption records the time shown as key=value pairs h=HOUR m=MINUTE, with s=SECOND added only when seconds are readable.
h=10 m=25
